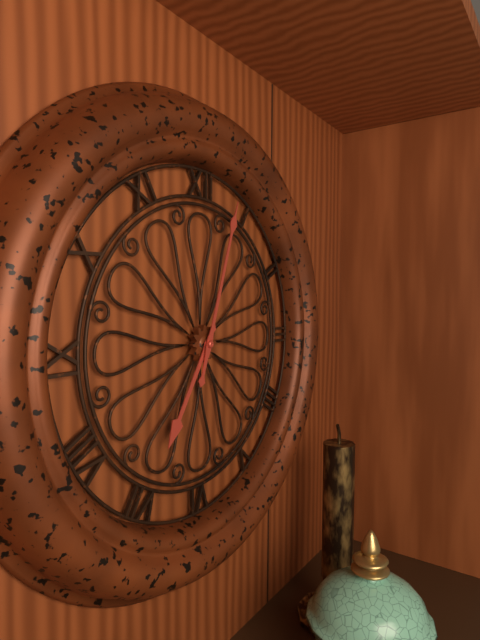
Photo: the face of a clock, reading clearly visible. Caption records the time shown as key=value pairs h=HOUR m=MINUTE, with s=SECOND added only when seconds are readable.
h=7 m=3
